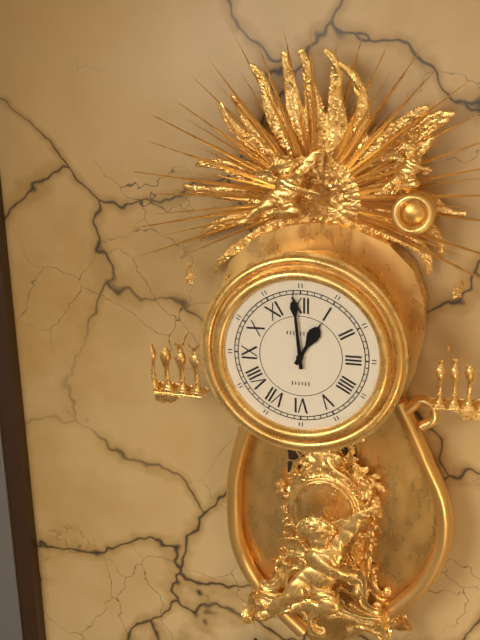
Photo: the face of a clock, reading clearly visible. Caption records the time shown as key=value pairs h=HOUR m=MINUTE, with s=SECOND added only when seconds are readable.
h=12 m=59
